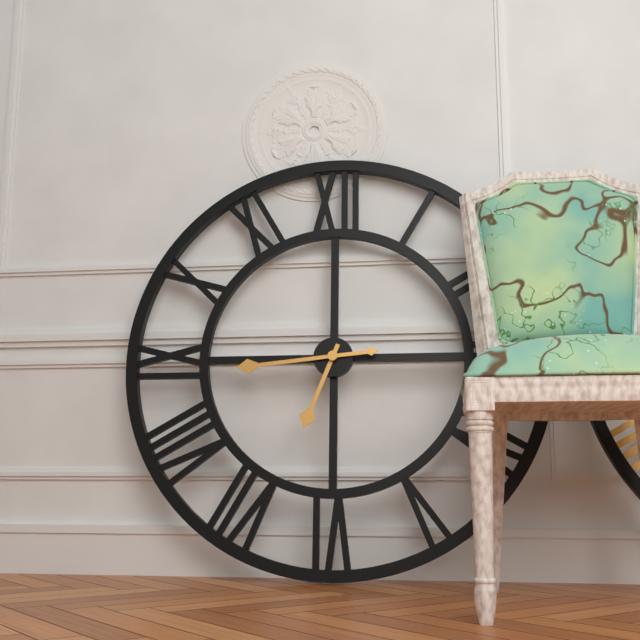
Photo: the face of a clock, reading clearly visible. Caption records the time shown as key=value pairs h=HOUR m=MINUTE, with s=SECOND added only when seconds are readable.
h=6 m=44
